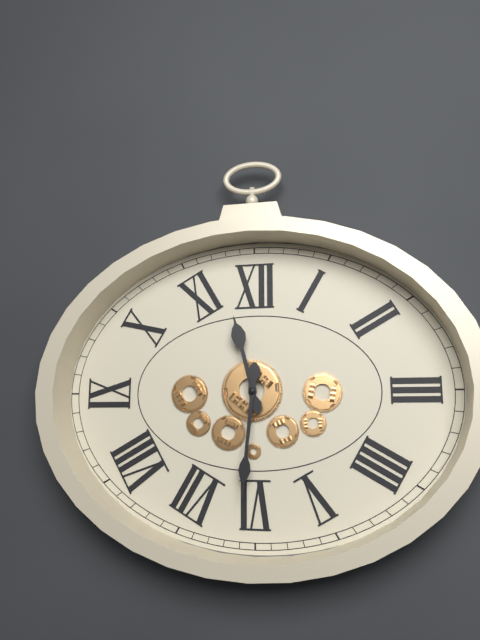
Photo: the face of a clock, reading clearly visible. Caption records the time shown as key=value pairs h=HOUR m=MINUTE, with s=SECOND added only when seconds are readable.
h=11 m=31
